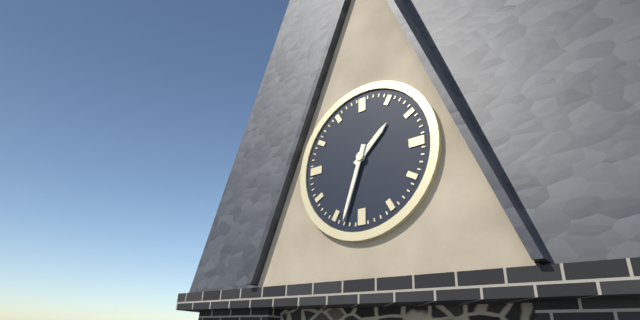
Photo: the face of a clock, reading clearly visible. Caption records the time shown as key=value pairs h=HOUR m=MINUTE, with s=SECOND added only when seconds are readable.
h=1 m=33
